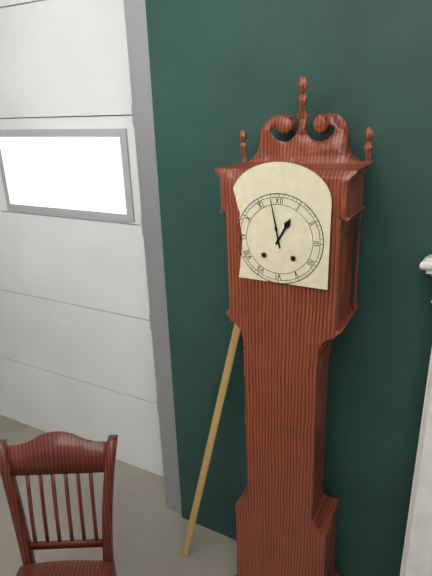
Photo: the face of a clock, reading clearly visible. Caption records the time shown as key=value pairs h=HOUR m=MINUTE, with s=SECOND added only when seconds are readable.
h=12 m=58
